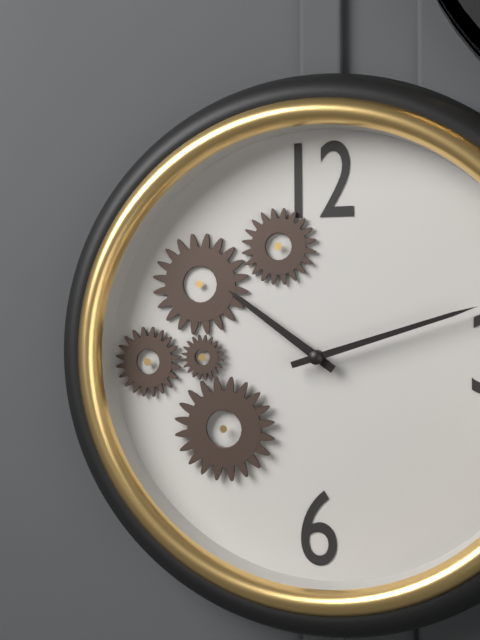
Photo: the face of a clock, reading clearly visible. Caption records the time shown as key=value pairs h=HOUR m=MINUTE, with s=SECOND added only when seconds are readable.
h=10 m=12
